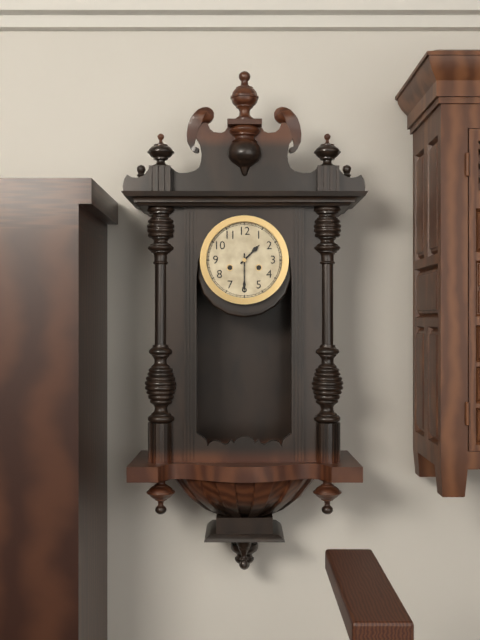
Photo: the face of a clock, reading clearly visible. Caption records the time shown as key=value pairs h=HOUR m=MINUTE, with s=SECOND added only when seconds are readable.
h=1 m=30
